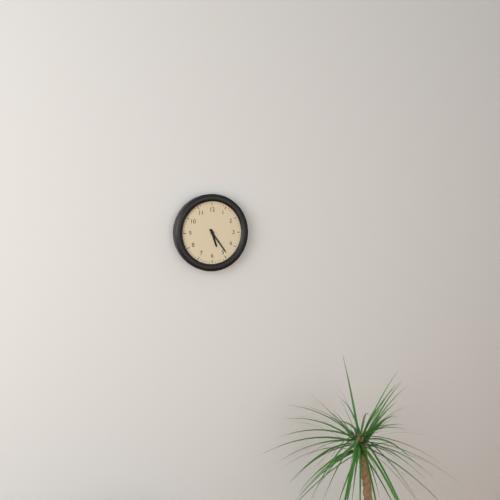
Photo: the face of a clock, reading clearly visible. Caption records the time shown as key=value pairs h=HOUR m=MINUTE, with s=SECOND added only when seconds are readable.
h=5 m=24
